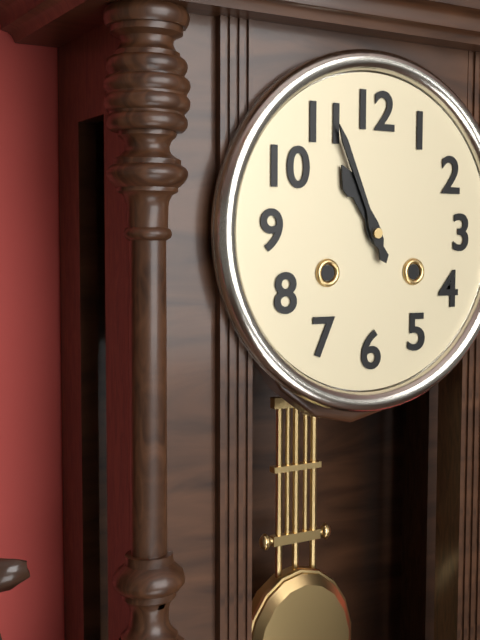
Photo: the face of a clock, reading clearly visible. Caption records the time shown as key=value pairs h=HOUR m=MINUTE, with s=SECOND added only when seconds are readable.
h=10 m=56
